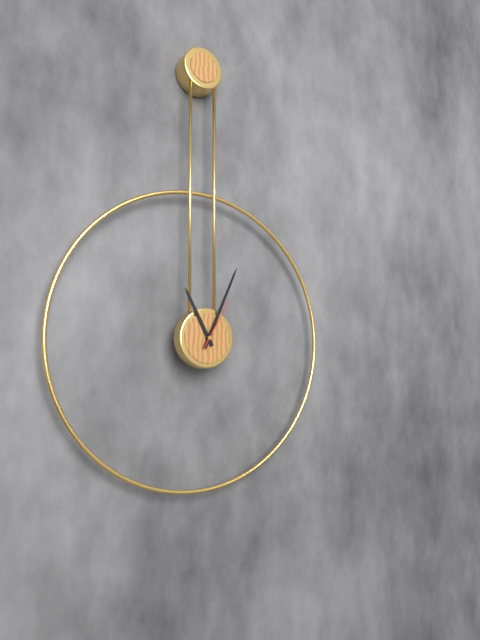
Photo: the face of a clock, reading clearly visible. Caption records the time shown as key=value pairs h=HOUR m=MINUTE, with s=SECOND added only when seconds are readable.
h=11 m=4 s=5
